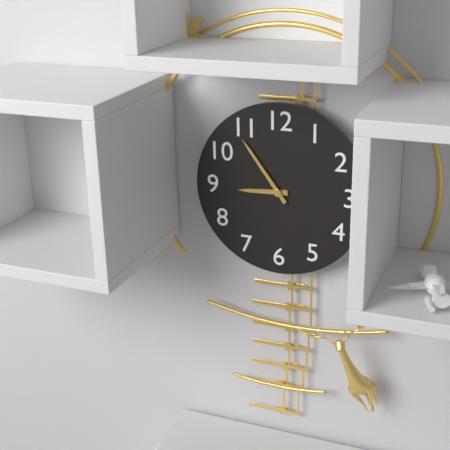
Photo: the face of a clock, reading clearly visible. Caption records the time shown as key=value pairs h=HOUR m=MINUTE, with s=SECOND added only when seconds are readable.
h=8 m=54
